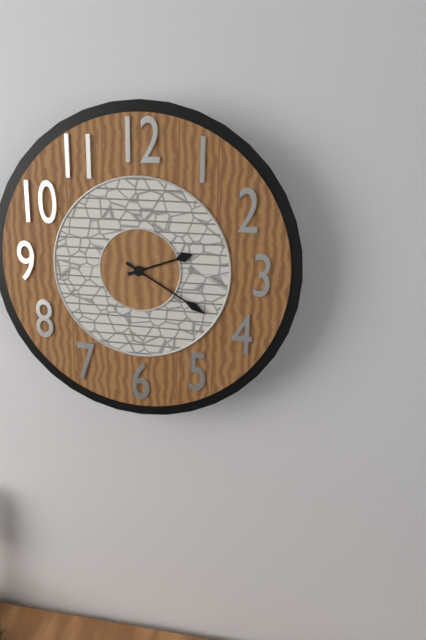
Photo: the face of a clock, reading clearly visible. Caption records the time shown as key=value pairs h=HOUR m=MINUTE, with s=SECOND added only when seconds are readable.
h=2 m=20
